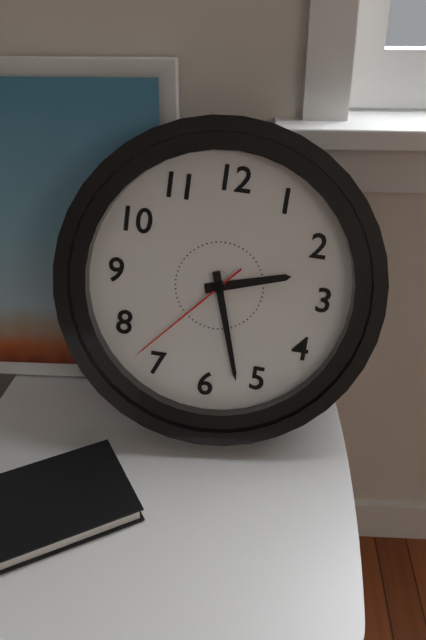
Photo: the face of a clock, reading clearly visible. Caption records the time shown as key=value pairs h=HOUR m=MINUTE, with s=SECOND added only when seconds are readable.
h=2 m=27 s=37
